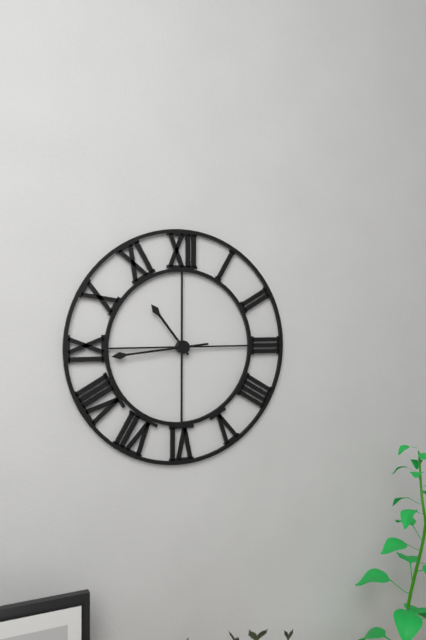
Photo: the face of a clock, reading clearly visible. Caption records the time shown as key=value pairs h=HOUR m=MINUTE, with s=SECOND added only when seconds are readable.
h=10 m=44
